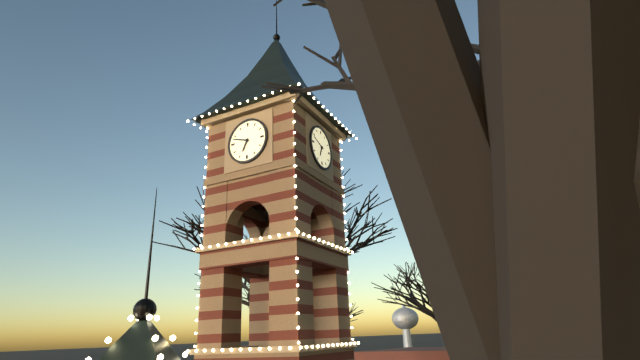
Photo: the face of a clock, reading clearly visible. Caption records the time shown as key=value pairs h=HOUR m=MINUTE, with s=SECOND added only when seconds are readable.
h=6 m=48
